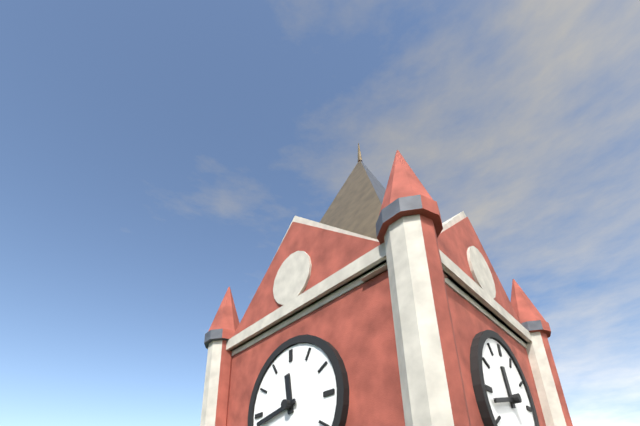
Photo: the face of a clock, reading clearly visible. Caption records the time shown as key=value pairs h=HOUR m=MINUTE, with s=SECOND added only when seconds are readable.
h=11 m=43
